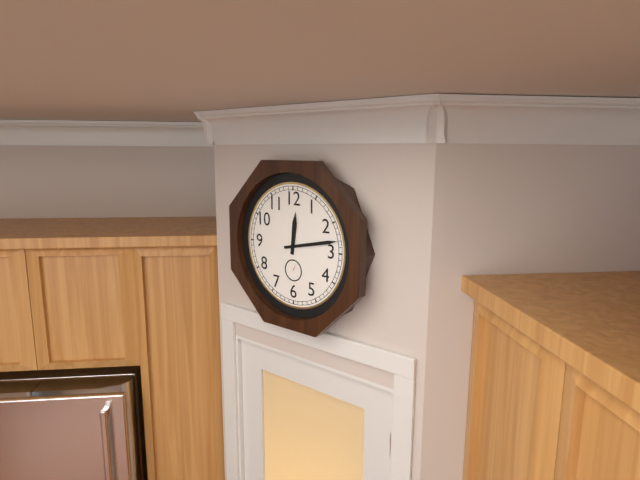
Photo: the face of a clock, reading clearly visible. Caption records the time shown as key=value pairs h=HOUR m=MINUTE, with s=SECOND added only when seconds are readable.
h=12 m=13
